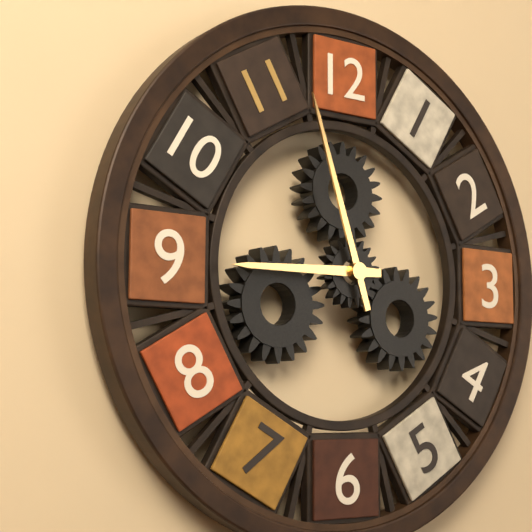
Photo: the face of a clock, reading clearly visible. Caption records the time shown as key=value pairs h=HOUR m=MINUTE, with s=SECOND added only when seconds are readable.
h=8 m=57
